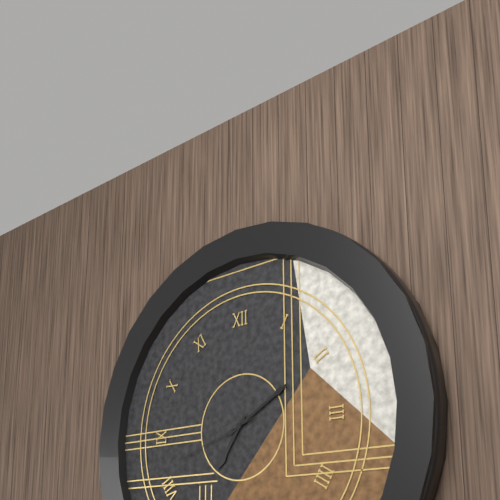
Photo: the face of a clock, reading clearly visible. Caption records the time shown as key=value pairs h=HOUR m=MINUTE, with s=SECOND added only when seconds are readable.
h=7 m=10 s=42
